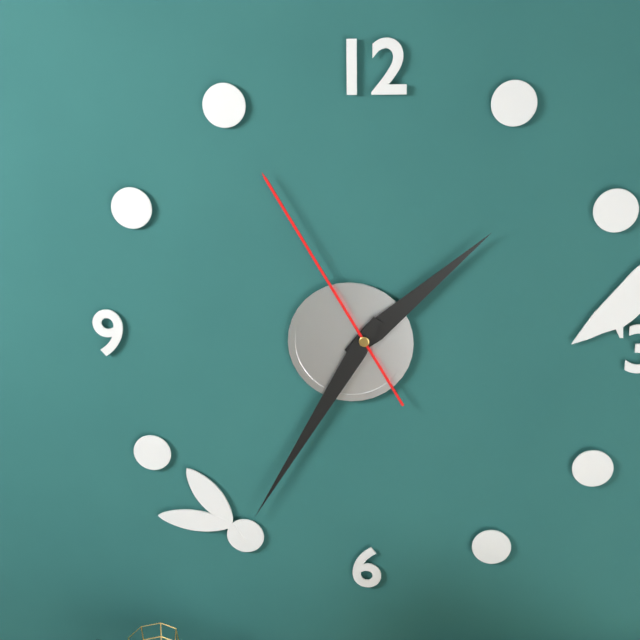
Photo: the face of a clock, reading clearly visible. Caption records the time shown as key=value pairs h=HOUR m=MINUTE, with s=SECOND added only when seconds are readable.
h=1 m=35 s=55
